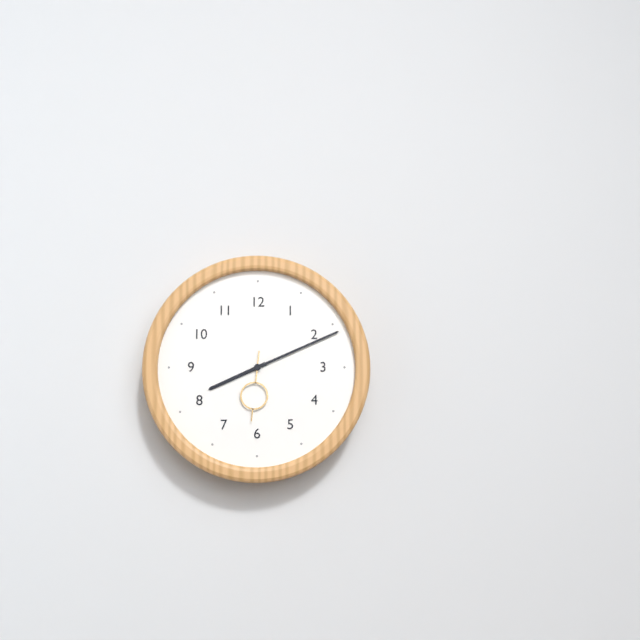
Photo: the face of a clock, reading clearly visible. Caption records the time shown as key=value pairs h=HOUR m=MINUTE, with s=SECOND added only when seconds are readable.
h=8 m=11 s=31
